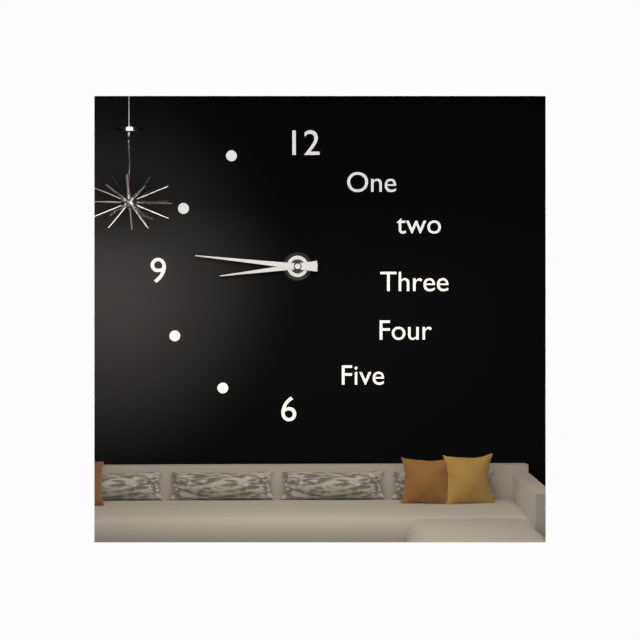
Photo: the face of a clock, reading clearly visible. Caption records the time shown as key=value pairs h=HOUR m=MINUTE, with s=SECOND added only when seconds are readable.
h=8 m=46
